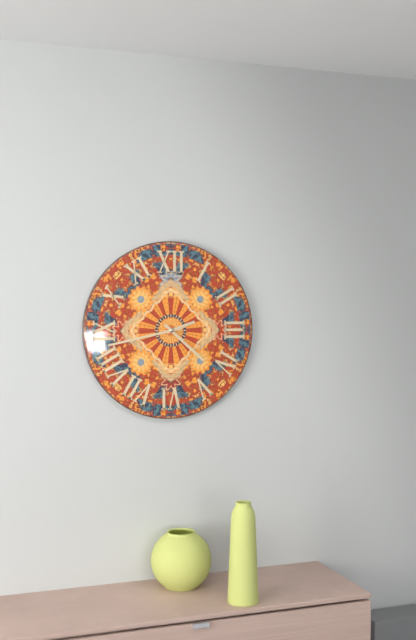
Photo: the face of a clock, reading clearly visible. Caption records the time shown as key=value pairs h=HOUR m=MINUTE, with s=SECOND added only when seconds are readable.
h=2 m=22 s=43
